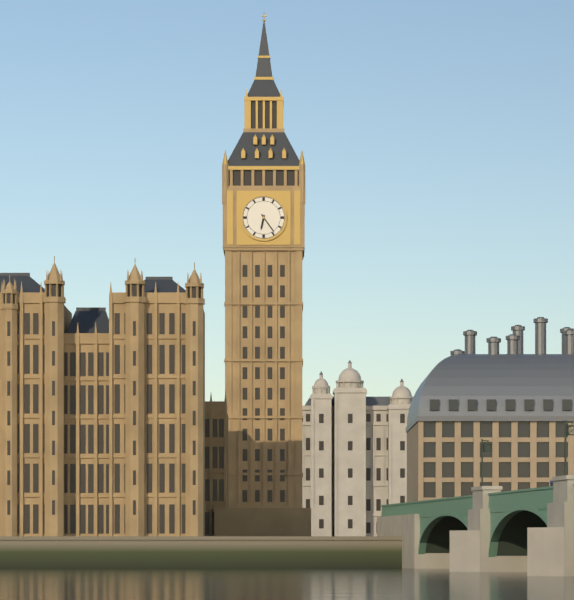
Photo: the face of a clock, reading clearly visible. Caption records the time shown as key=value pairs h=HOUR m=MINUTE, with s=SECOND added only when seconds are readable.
h=6 m=24
